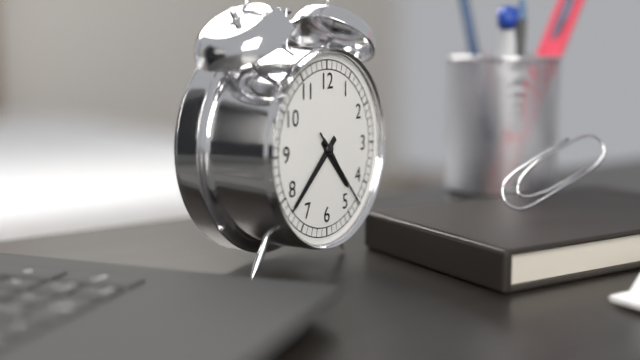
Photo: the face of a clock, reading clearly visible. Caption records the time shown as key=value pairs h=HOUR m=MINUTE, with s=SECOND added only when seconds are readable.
h=4 m=38 s=23
